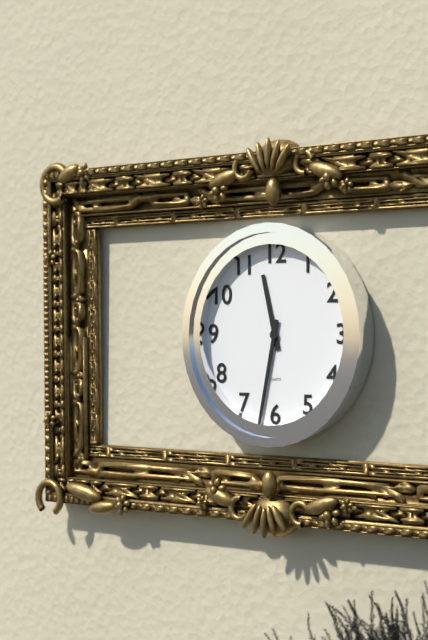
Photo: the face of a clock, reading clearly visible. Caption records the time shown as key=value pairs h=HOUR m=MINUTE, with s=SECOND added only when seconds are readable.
h=11 m=32
